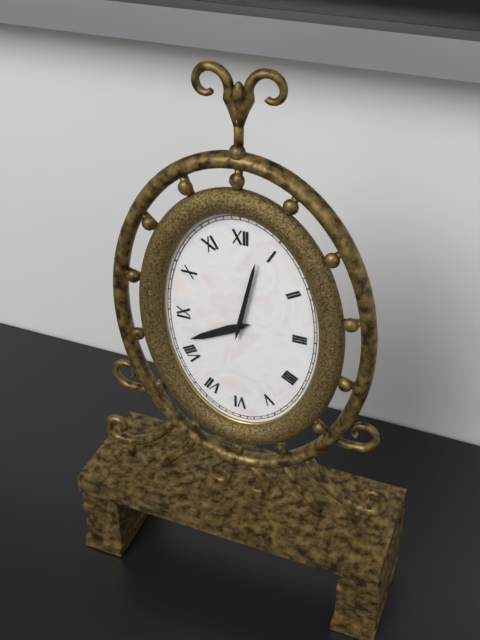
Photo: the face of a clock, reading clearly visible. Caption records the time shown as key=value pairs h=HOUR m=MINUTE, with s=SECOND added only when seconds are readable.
h=8 m=2
